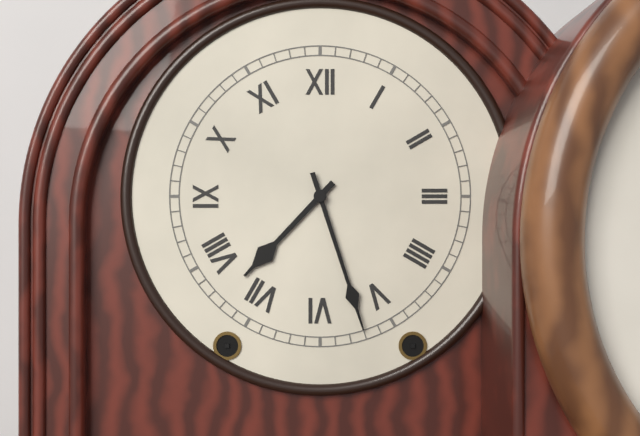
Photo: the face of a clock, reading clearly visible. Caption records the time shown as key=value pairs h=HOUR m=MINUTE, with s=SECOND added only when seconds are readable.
h=7 m=27
